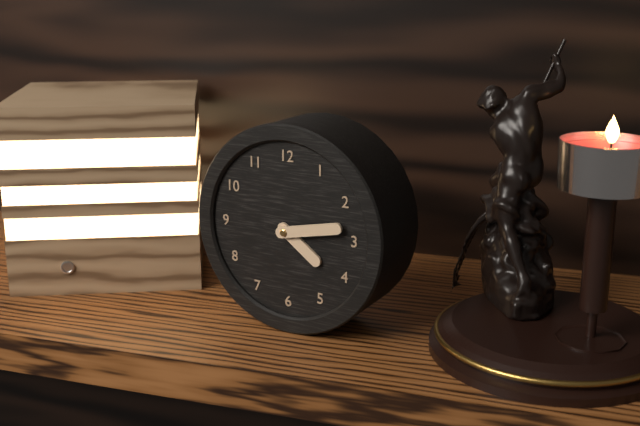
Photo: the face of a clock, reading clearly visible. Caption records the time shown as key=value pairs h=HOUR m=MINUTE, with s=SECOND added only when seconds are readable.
h=4 m=13
